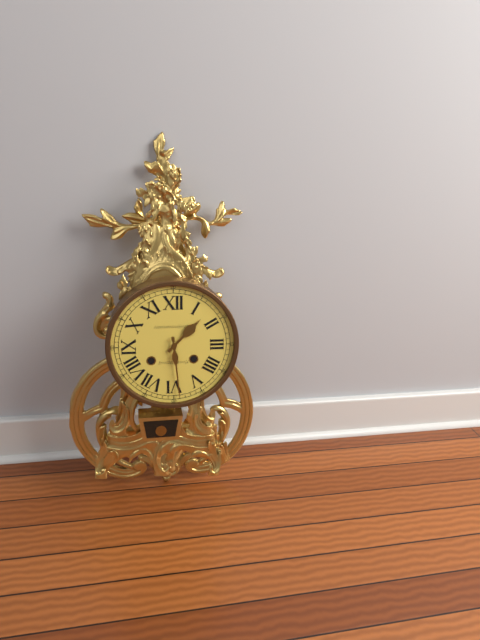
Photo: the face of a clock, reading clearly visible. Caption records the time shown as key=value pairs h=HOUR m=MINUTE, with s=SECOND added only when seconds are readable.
h=1 m=29
